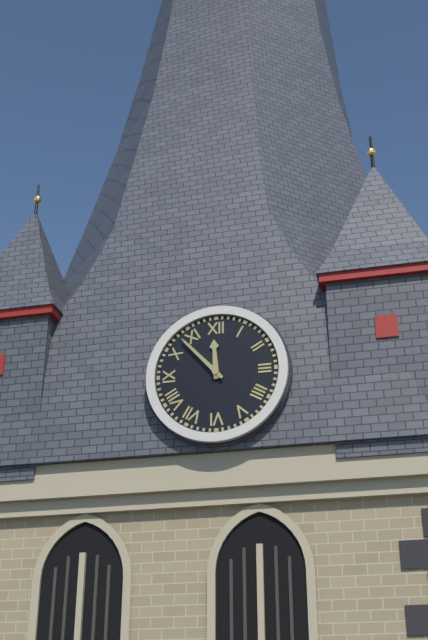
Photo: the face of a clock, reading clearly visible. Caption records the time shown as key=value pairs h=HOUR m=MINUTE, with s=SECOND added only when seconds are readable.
h=11 m=53
